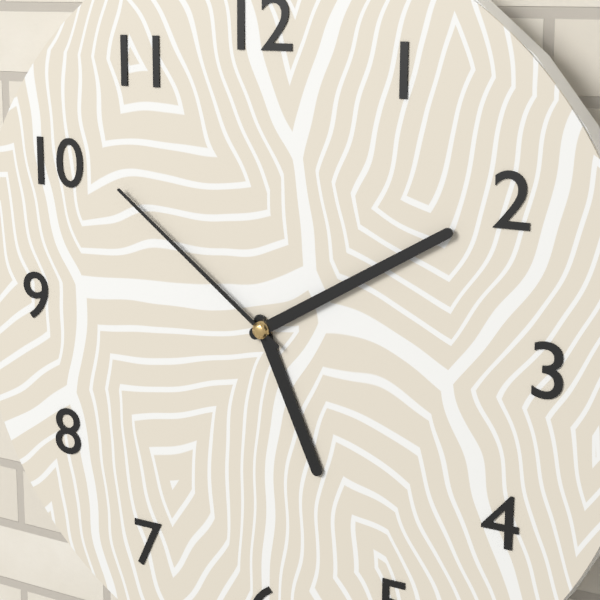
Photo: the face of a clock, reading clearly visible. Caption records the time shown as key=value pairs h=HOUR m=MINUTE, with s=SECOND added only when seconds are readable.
h=5 m=10 s=51
